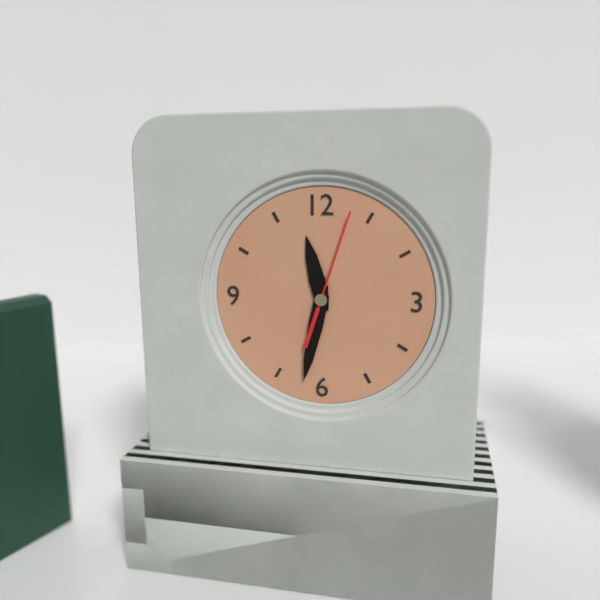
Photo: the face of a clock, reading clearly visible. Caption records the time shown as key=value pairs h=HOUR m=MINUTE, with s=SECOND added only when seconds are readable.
h=11 m=32 s=3
